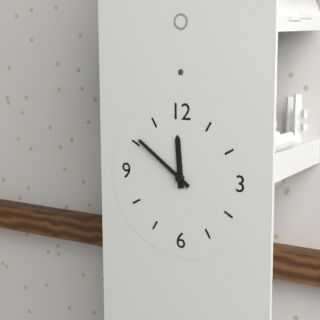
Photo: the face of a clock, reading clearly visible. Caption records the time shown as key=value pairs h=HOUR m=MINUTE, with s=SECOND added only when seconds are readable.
h=11 m=51
